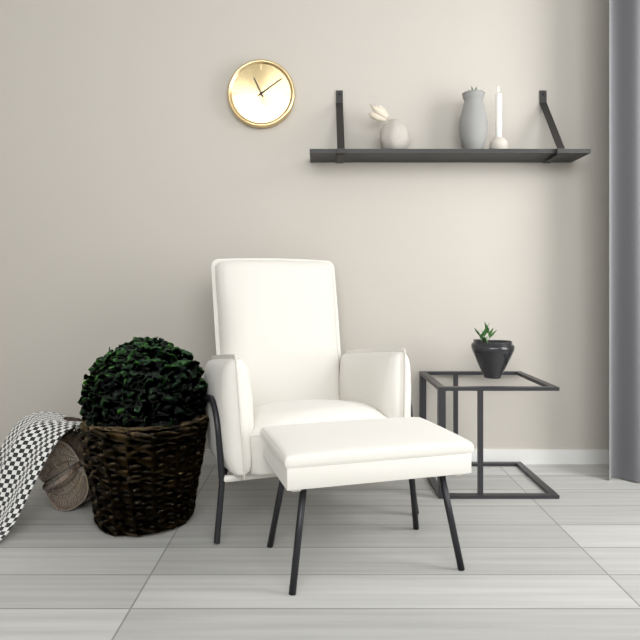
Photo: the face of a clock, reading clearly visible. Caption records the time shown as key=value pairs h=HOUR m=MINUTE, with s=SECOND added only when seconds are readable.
h=11 m=9
